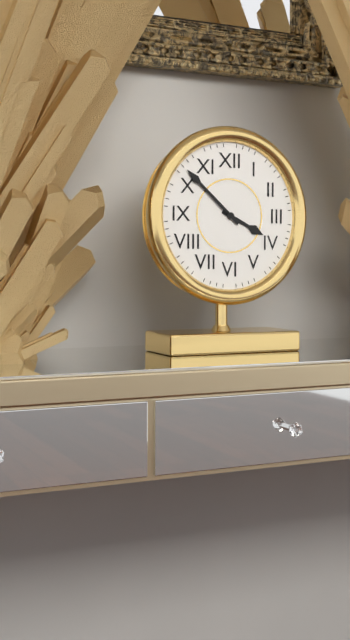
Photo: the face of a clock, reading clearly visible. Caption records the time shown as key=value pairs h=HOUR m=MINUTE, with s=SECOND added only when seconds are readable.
h=3 m=52
